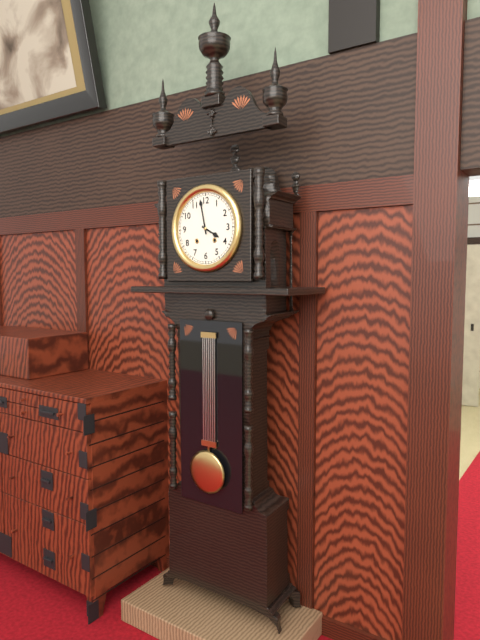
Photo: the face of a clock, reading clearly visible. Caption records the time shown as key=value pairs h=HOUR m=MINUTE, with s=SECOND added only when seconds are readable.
h=3 m=58
